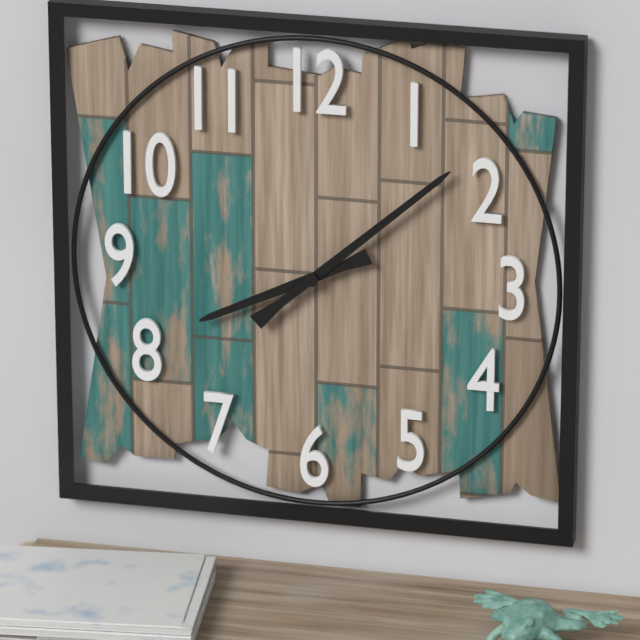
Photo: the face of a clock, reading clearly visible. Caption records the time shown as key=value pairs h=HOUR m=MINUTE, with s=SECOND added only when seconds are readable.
h=8 m=8
